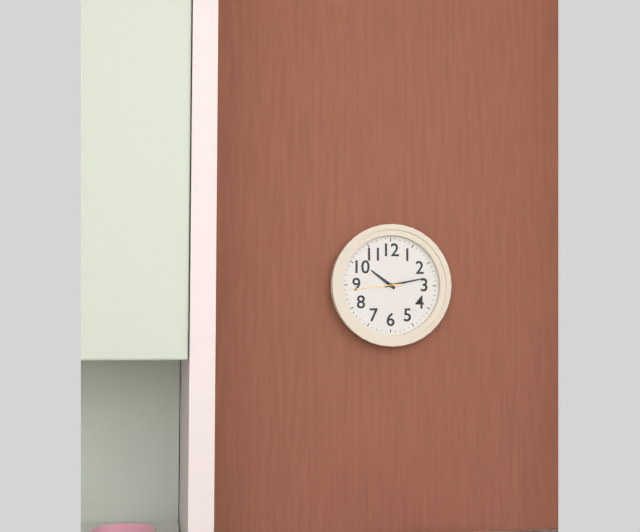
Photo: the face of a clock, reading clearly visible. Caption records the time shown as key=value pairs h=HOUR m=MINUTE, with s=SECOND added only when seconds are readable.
h=10 m=13 s=44
